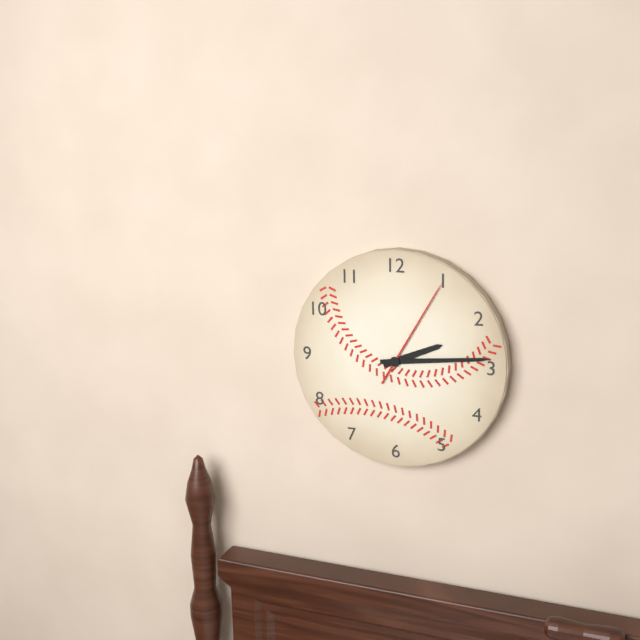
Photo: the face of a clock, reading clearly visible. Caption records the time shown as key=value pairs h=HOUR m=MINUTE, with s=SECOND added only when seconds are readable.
h=2 m=14 s=5
